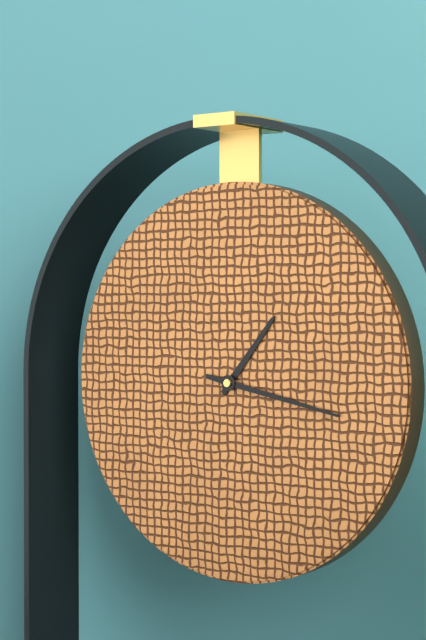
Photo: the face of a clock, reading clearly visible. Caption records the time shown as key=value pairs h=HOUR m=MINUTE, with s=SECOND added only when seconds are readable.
h=1 m=17
